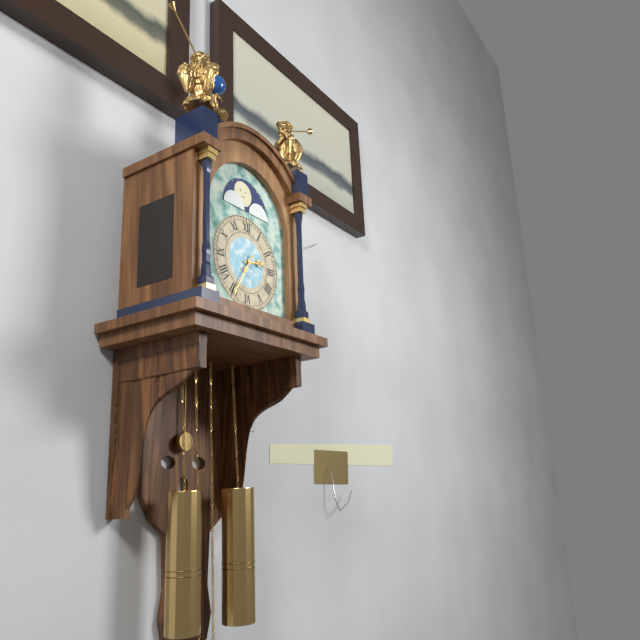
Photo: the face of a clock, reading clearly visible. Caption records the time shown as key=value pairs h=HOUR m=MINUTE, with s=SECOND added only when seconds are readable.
h=2 m=35
